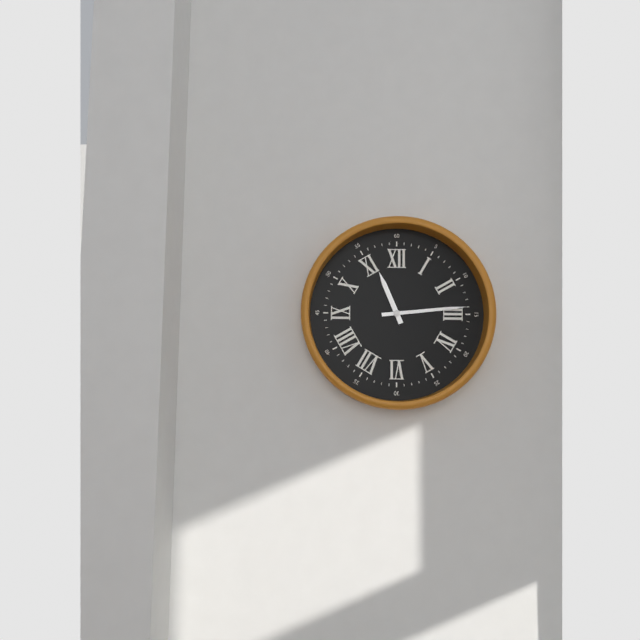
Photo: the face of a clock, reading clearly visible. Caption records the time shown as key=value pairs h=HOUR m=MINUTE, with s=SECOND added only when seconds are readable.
h=11 m=14
